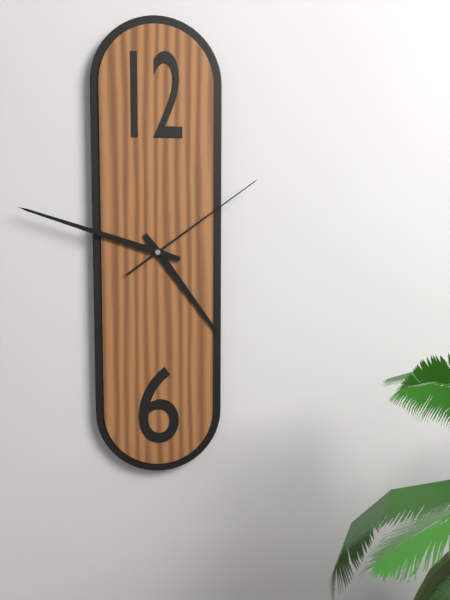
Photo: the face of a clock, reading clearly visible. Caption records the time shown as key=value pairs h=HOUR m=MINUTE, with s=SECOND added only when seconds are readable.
h=4 m=48 s=9
